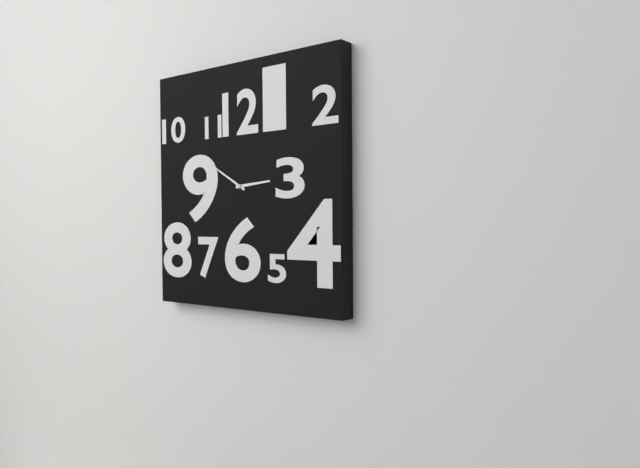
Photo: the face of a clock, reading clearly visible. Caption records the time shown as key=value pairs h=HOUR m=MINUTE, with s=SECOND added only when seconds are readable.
h=2 m=50
